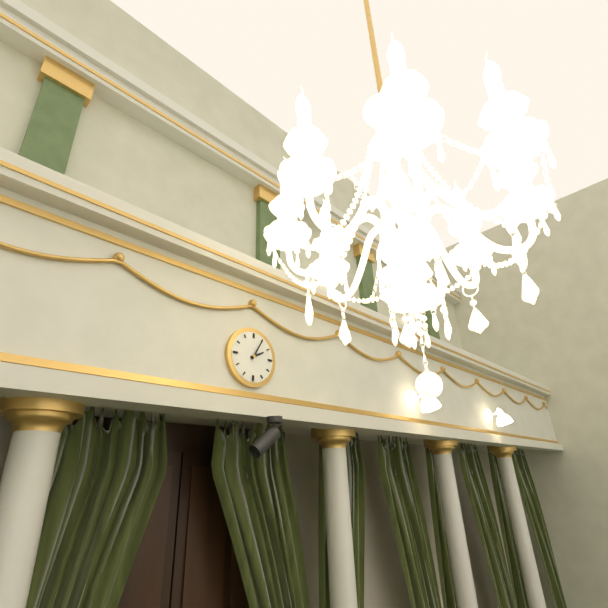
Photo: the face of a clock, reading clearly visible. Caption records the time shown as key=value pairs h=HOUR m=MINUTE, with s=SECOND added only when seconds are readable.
h=2 m=5
